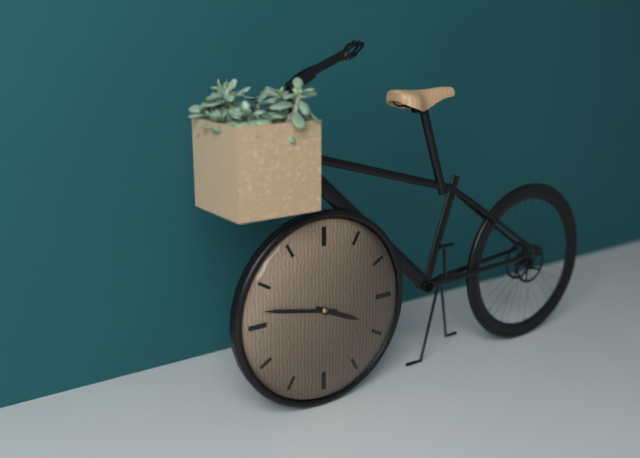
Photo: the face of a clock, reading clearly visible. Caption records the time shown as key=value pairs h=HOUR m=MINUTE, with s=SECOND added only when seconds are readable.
h=3 m=47
